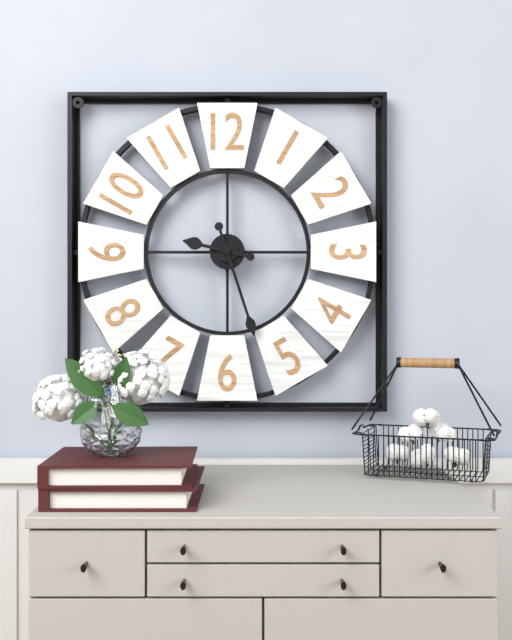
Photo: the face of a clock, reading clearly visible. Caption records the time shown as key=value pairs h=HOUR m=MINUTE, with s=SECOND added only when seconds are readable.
h=9 m=27
